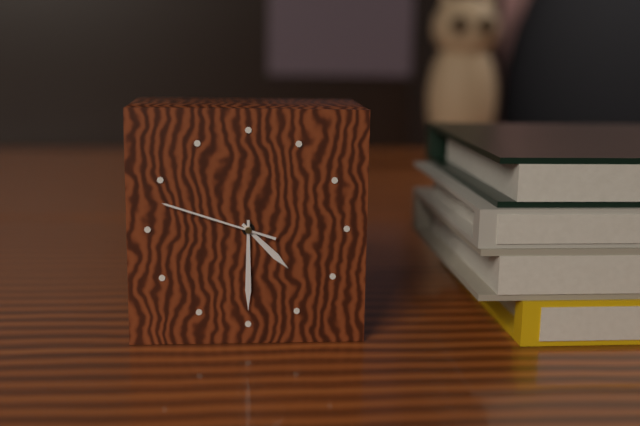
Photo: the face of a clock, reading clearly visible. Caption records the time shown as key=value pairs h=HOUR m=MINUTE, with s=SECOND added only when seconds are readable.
h=4 m=30 s=48
